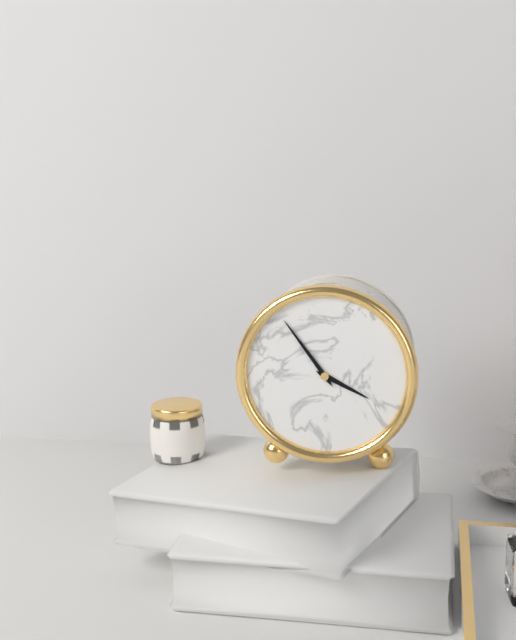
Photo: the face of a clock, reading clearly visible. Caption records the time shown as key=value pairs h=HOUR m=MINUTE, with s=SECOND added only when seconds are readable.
h=3 m=54
